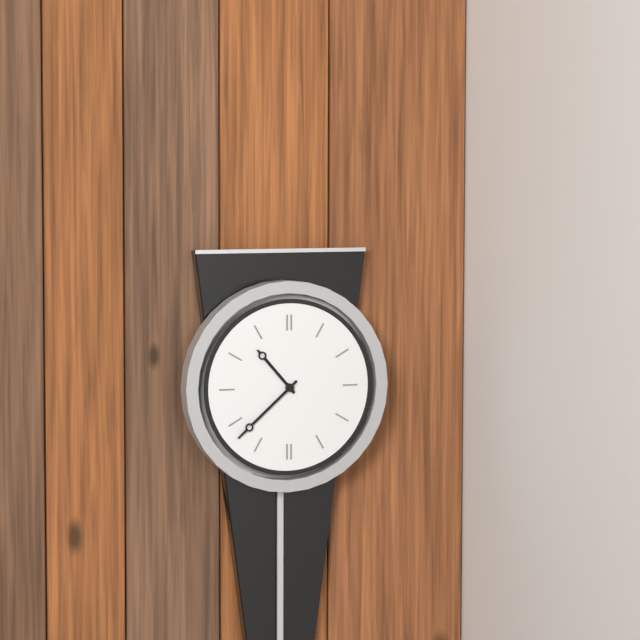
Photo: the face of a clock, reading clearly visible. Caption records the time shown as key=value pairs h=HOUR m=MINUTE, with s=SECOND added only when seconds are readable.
h=10 m=38
